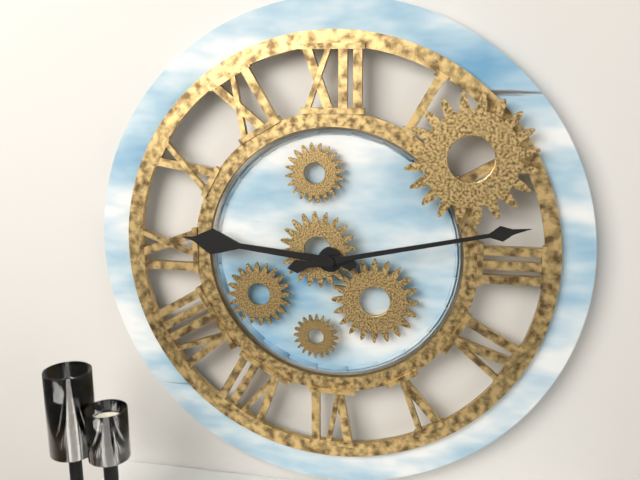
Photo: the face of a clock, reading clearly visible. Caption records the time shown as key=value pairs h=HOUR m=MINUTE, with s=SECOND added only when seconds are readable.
h=9 m=13
